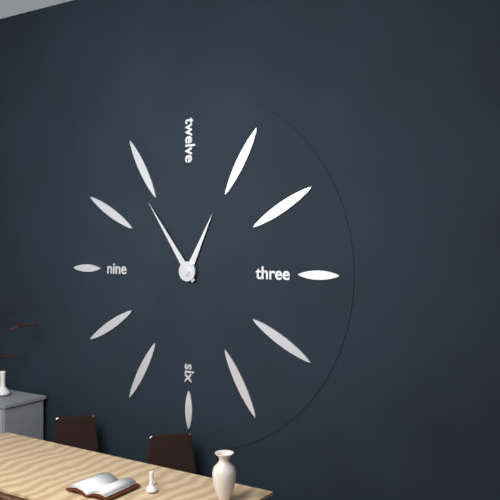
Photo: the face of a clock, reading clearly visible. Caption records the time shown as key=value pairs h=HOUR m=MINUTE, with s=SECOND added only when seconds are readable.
h=12 m=54
